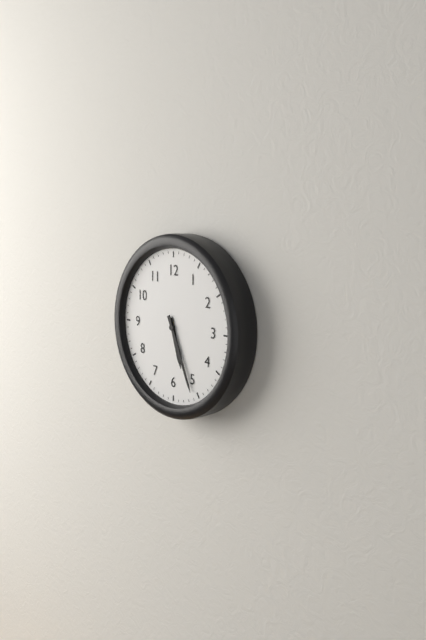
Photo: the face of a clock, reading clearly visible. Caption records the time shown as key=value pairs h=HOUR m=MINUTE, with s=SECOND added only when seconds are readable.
h=5 m=26
